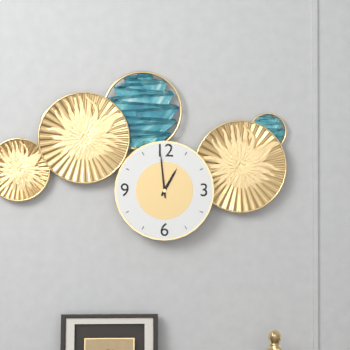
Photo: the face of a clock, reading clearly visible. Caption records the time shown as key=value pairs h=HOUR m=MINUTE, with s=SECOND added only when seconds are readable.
h=12 m=59
